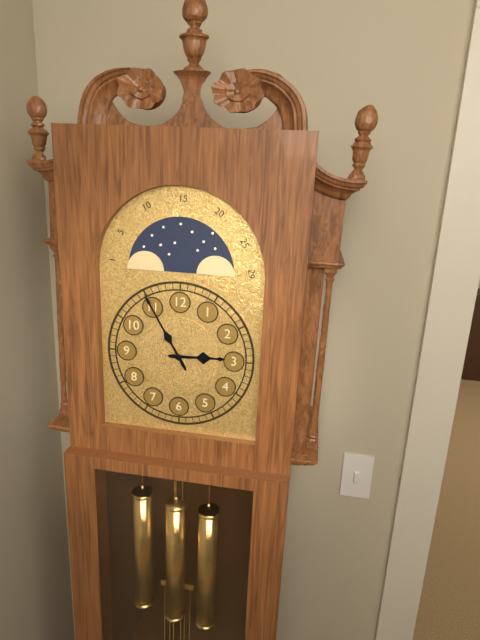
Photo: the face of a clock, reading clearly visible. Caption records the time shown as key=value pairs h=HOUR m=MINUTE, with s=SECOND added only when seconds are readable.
h=2 m=55
